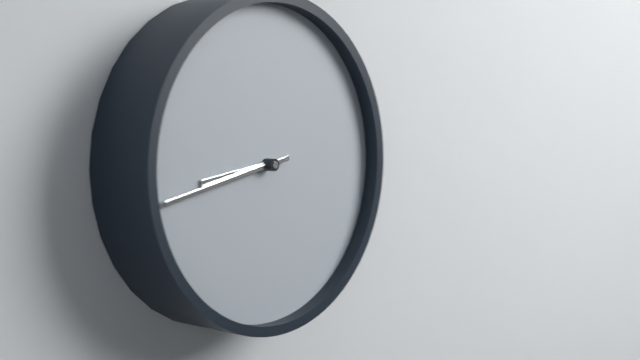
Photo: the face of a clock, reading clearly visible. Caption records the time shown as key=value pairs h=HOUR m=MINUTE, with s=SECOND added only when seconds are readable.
h=8 m=43
